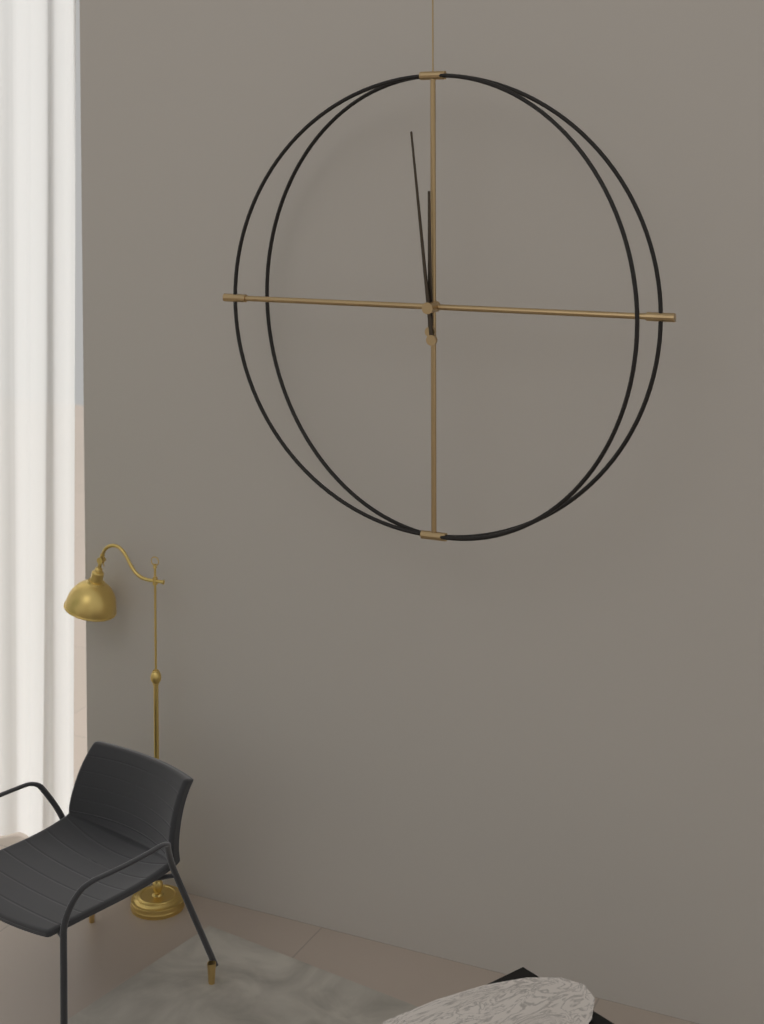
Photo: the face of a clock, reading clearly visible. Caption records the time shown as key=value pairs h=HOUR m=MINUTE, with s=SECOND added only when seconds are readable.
h=11 m=59
